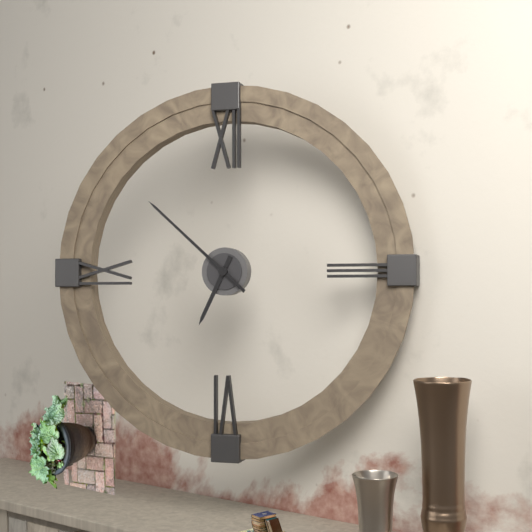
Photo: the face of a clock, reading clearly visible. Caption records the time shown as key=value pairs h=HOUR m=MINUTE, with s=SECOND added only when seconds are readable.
h=6 m=52
